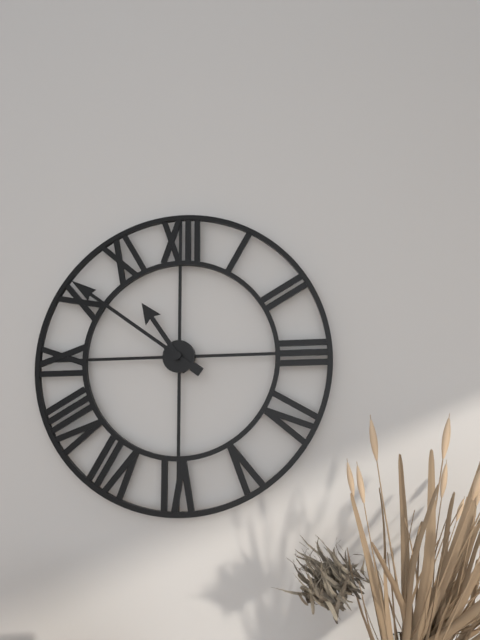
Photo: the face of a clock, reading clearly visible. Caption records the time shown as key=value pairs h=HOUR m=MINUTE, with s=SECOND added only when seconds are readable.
h=10 m=51
